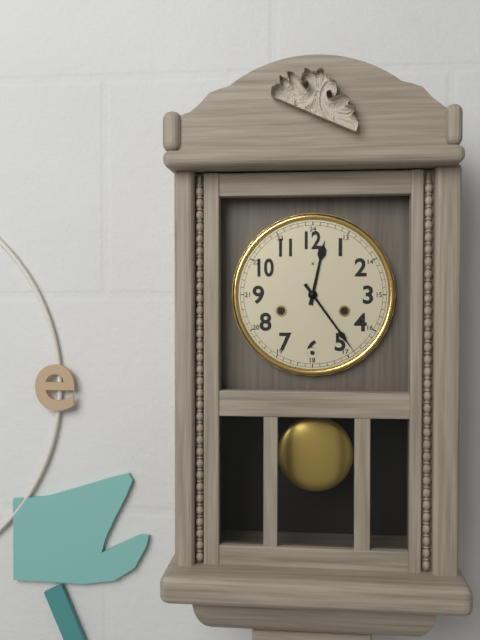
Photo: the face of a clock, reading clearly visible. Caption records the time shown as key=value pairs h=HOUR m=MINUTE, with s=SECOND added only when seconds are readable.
h=12 m=24
